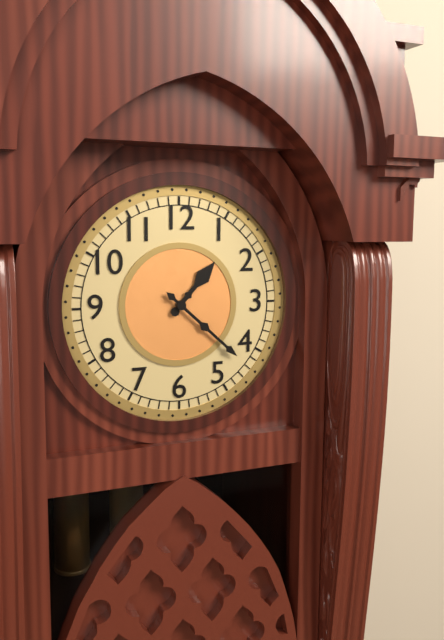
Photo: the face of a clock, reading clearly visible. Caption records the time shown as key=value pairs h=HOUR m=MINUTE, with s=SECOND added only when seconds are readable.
h=1 m=22
